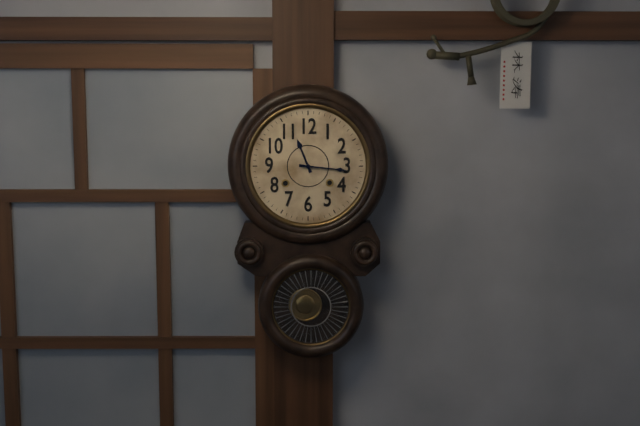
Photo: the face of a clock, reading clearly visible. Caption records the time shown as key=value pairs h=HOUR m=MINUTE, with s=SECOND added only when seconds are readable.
h=11 m=16
